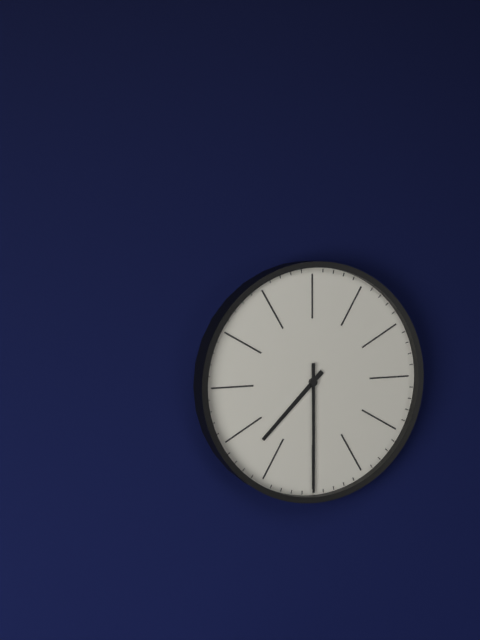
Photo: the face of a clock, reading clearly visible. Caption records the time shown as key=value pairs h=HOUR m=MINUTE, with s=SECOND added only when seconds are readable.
h=7 m=30
